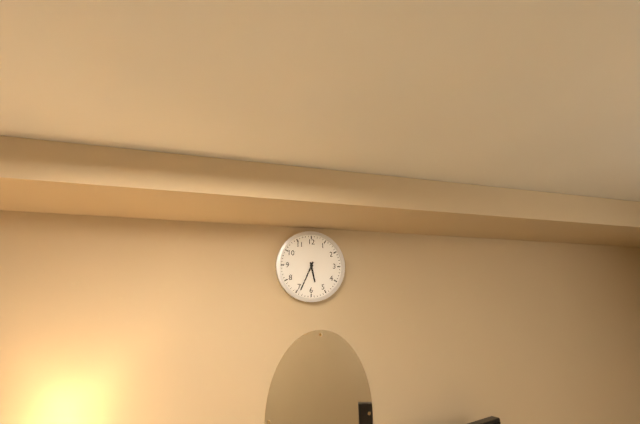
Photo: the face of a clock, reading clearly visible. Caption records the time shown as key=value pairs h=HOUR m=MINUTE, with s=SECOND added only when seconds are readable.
h=5 m=34
